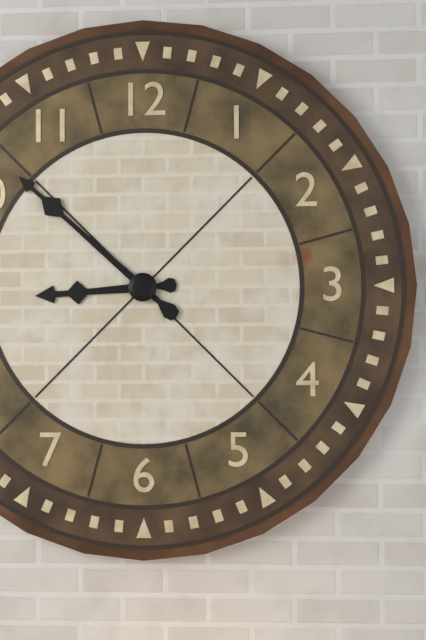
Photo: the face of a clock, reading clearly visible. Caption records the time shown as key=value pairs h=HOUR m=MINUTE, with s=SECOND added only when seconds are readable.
h=8 m=52
